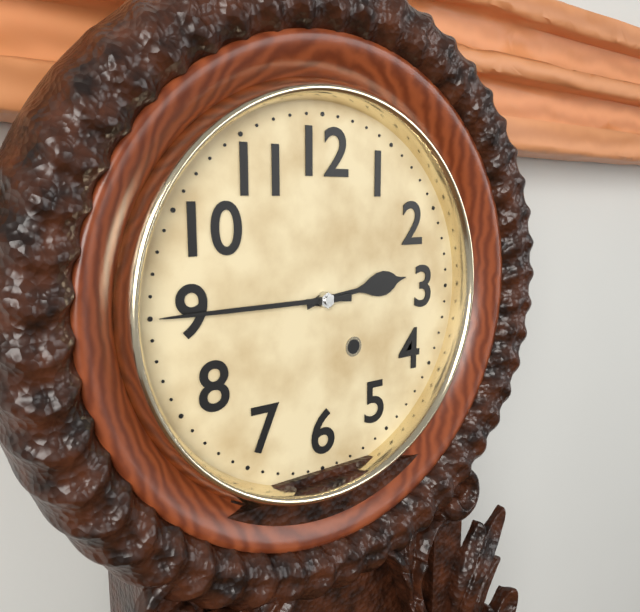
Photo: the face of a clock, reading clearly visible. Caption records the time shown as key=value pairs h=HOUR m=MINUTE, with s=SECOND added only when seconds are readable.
h=2 m=45
